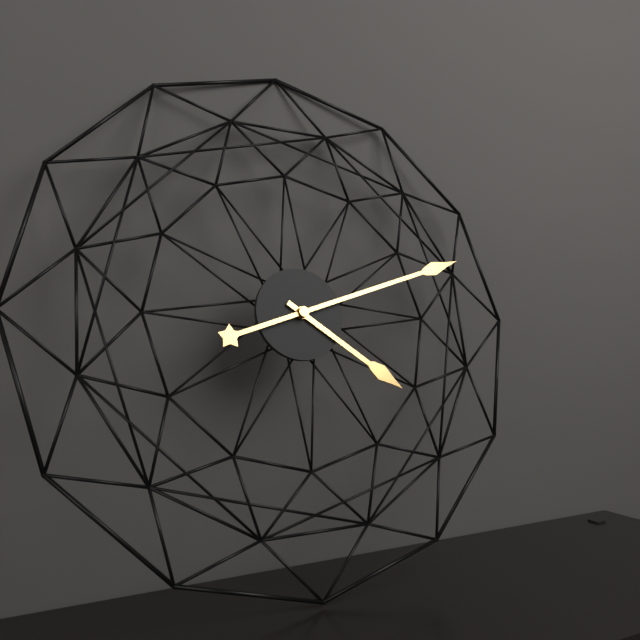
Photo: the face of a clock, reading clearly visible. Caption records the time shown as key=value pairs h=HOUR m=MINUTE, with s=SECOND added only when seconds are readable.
h=4 m=12
